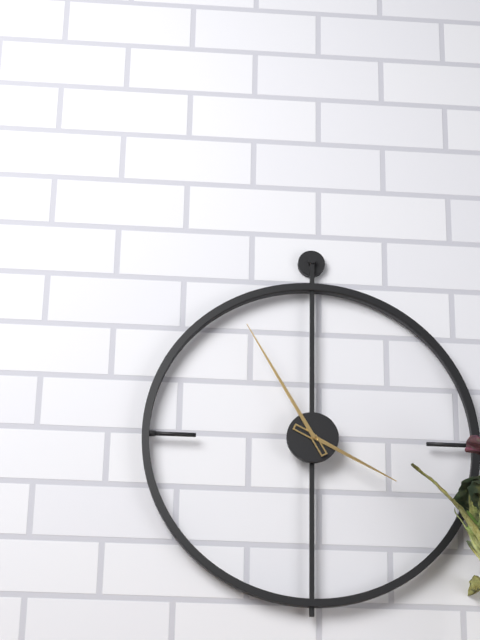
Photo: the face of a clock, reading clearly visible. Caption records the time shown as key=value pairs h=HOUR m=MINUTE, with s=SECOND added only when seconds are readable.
h=3 m=55
